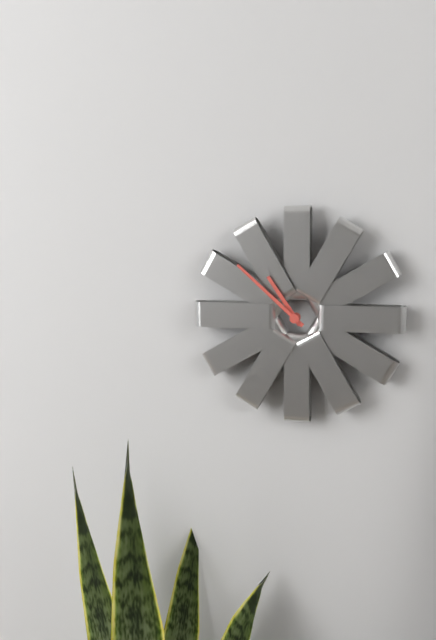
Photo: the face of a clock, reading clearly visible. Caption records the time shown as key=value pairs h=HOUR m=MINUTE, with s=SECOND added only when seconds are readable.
h=10 m=52
